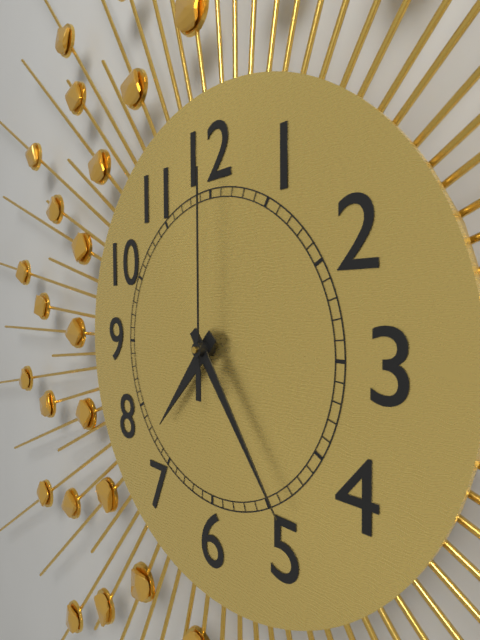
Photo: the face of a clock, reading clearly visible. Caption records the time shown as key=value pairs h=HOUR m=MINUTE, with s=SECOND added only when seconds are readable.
h=7 m=24 s=0
